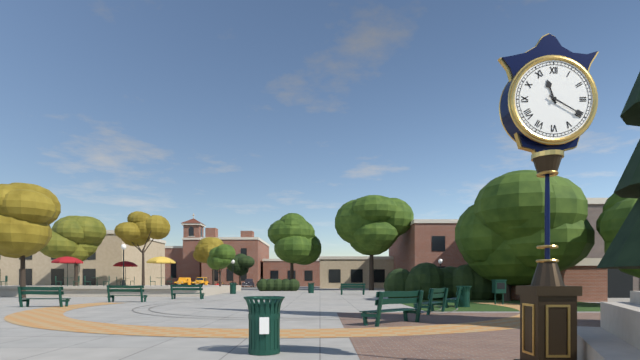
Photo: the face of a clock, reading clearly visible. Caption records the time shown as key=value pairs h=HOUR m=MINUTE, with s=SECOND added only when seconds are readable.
h=11 m=20
